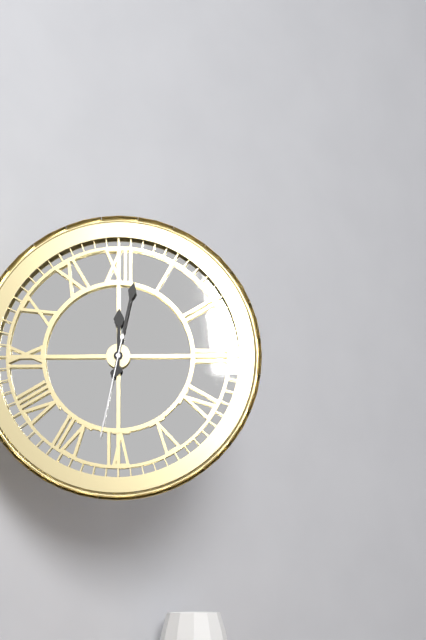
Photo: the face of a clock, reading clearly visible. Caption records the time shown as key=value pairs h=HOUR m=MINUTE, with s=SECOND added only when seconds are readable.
h=12 m=2 s=32
